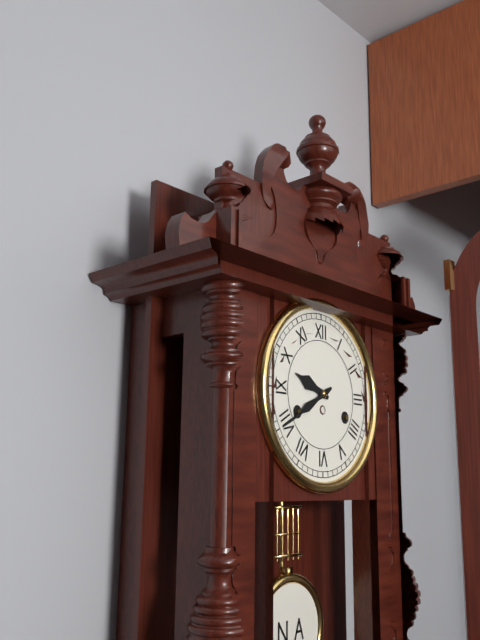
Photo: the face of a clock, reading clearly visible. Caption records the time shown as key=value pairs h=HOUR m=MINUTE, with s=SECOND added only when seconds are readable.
h=9 m=40
